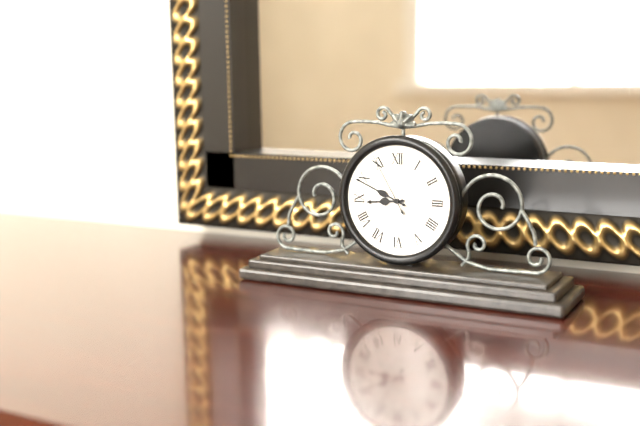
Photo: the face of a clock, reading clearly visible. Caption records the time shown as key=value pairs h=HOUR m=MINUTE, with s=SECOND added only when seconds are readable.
h=8 m=49 s=55
